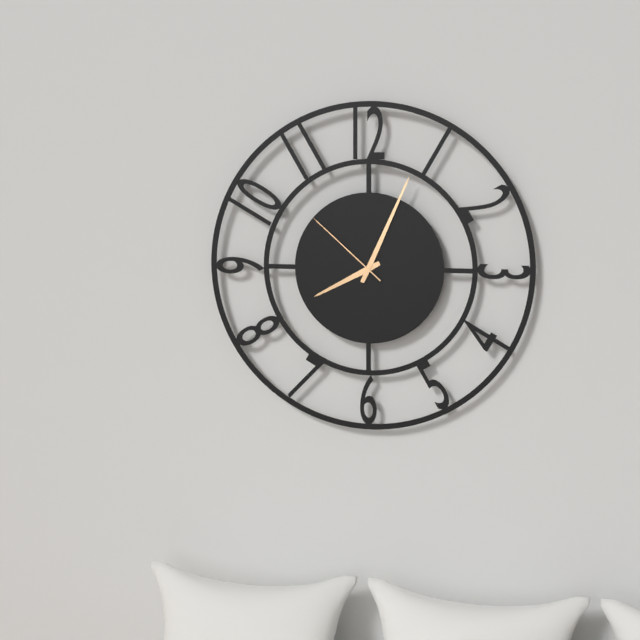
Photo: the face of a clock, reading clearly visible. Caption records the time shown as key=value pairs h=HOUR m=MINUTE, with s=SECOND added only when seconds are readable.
h=8 m=4 s=52
